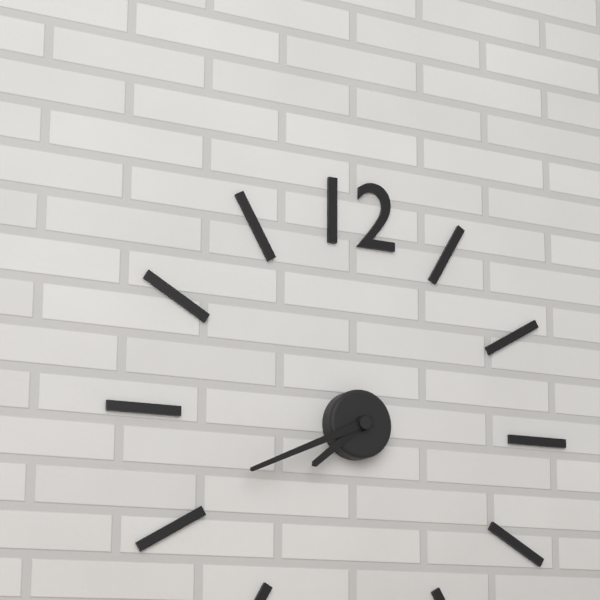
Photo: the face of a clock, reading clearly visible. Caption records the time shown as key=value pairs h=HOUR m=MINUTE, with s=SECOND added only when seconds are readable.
h=7 m=41
